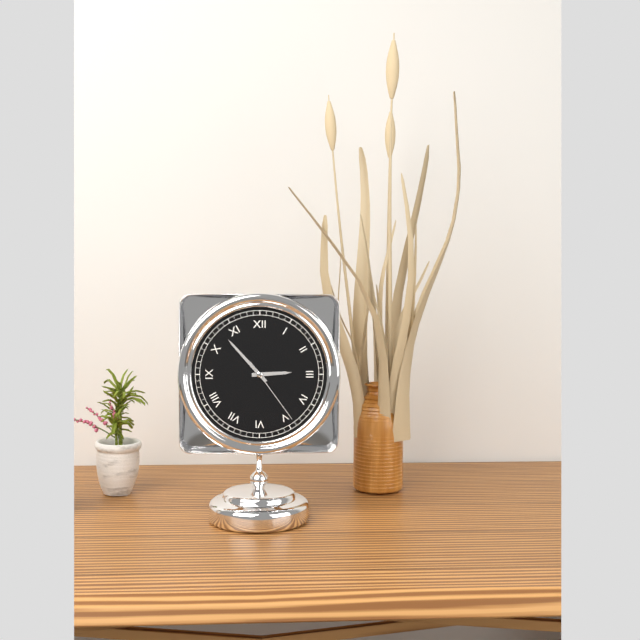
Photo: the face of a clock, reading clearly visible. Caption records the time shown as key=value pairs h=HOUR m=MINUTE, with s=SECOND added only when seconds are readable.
h=2 m=53 s=24
